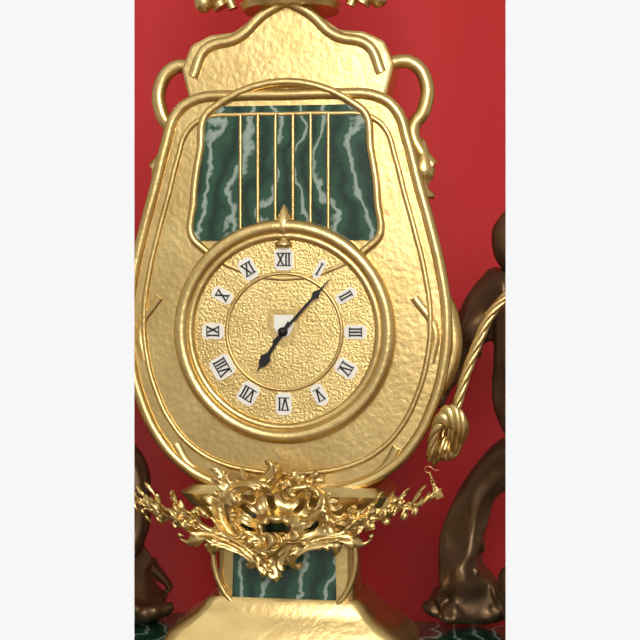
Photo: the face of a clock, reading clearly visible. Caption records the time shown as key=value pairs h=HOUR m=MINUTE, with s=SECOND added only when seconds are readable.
h=7 m=7
